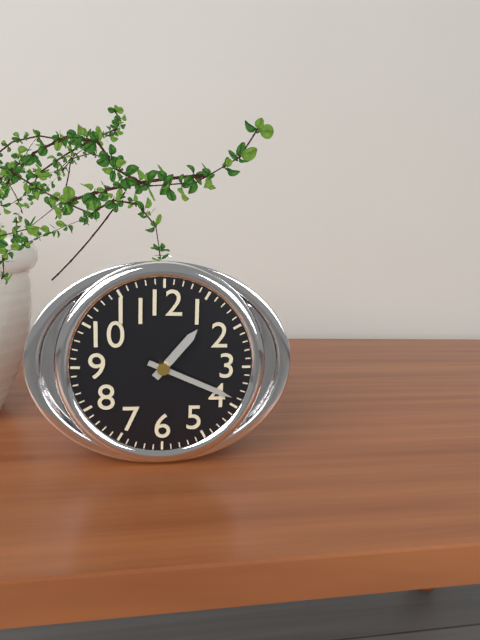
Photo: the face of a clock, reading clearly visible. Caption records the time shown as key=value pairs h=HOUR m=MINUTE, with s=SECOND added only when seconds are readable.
h=1 m=19
